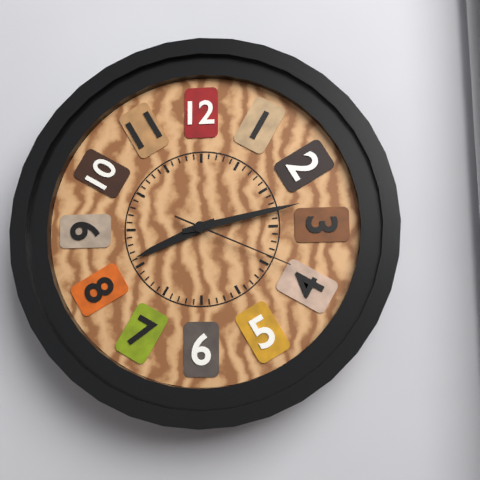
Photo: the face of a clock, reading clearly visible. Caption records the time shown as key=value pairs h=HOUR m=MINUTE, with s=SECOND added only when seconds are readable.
h=8 m=13 s=19
